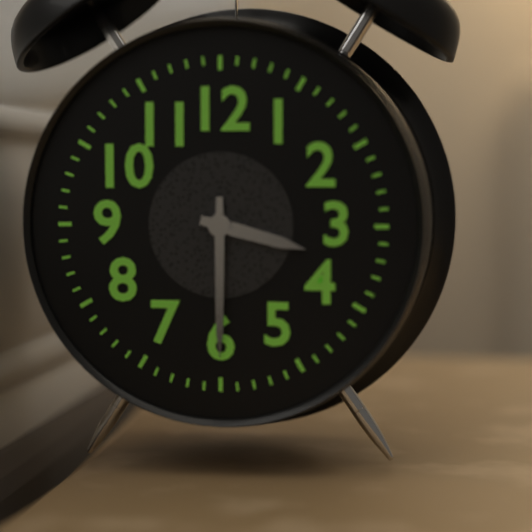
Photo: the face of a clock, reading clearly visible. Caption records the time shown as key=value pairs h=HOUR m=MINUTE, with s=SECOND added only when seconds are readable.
h=3 m=30
